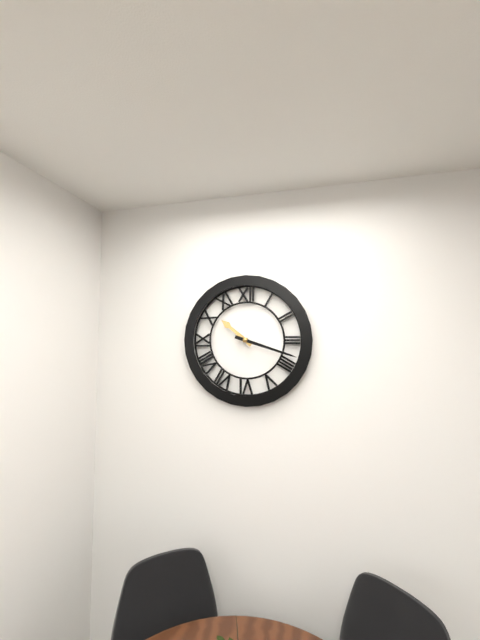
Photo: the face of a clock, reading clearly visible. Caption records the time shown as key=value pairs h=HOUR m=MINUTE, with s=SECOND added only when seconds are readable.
h=10 m=18
